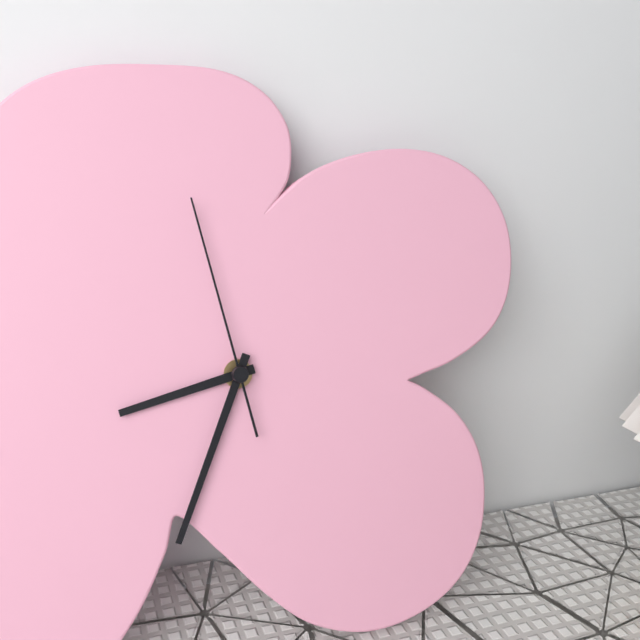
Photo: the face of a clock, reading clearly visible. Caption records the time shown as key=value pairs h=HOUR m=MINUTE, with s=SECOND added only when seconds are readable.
h=8 m=34 s=58
